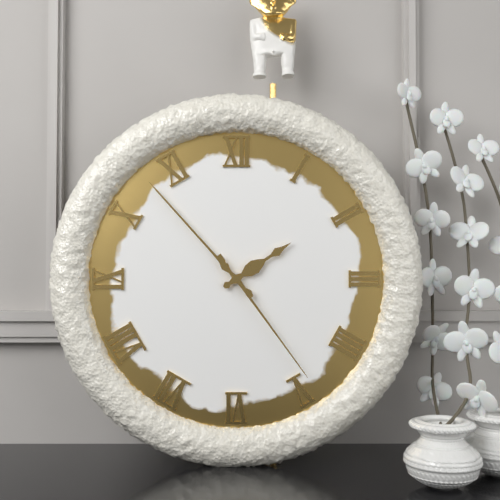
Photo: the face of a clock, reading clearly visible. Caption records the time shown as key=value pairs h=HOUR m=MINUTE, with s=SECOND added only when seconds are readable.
h=1 m=53 s=24
